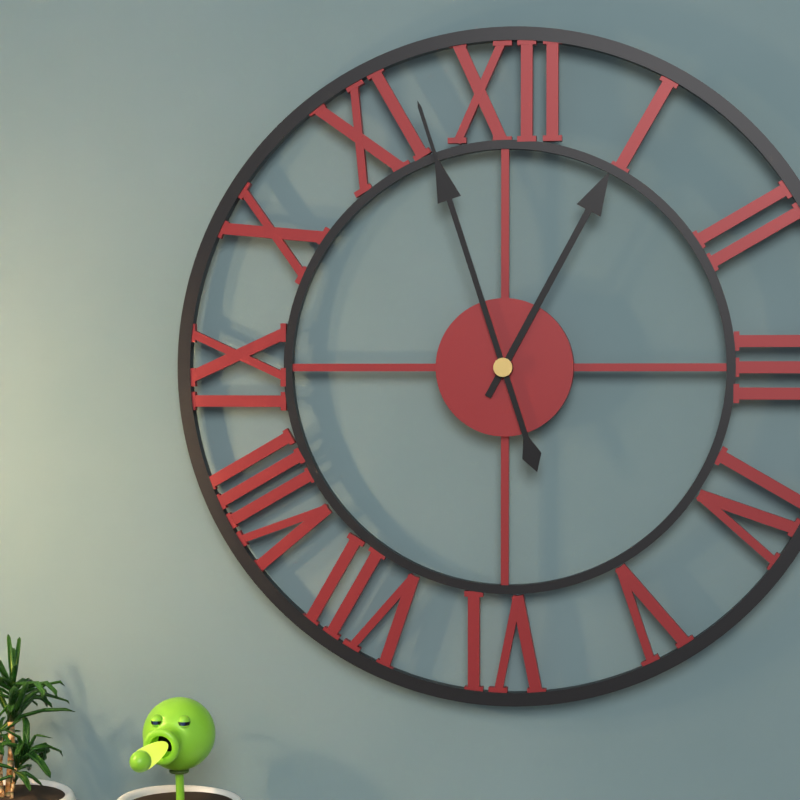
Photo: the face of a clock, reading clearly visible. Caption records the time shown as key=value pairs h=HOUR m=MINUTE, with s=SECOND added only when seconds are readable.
h=12 m=57
